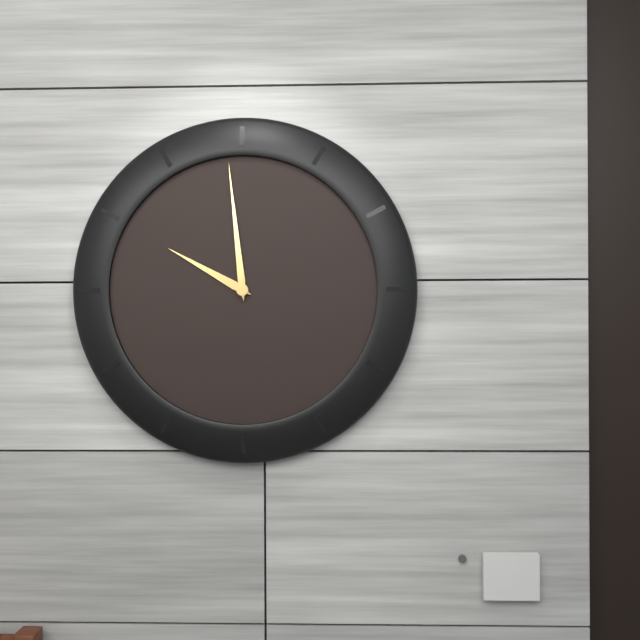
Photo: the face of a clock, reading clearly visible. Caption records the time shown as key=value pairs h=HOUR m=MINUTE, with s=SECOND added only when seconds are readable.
h=9 m=59
